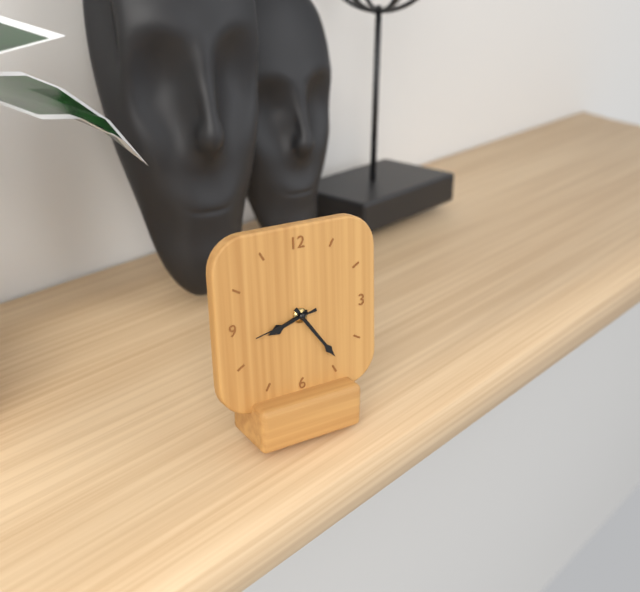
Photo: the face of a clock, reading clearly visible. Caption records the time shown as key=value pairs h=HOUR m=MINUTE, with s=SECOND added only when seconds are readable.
h=8 m=24 s=43
